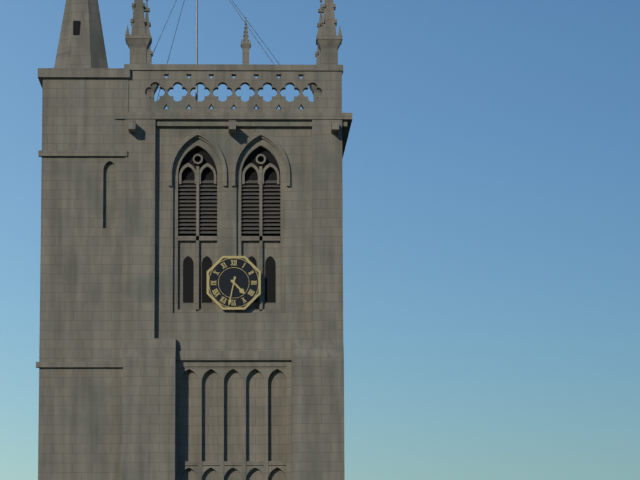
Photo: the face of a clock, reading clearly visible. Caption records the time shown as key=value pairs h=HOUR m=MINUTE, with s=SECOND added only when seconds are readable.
h=4 m=32
